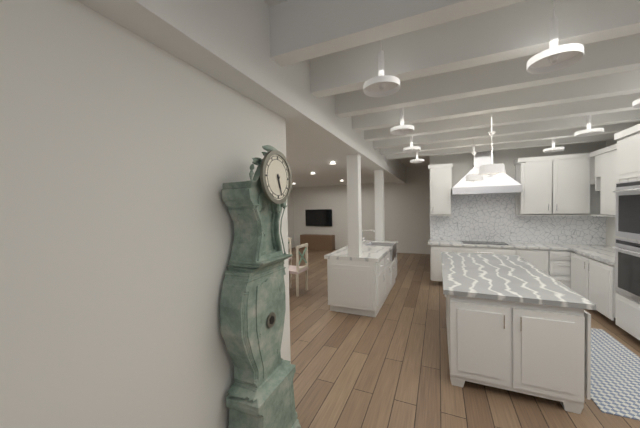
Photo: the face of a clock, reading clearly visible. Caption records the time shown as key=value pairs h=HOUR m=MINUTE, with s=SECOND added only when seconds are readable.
h=5 m=27
